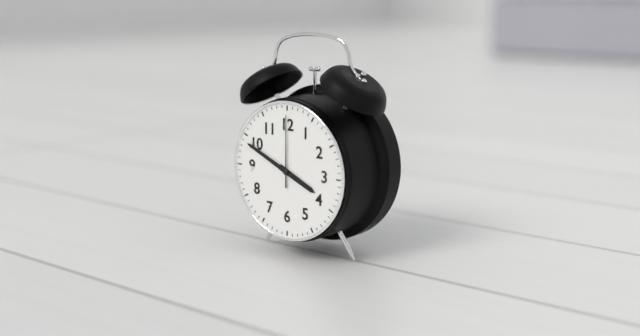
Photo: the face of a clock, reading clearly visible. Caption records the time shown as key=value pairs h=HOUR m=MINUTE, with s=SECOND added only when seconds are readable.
h=3 m=49 s=0
